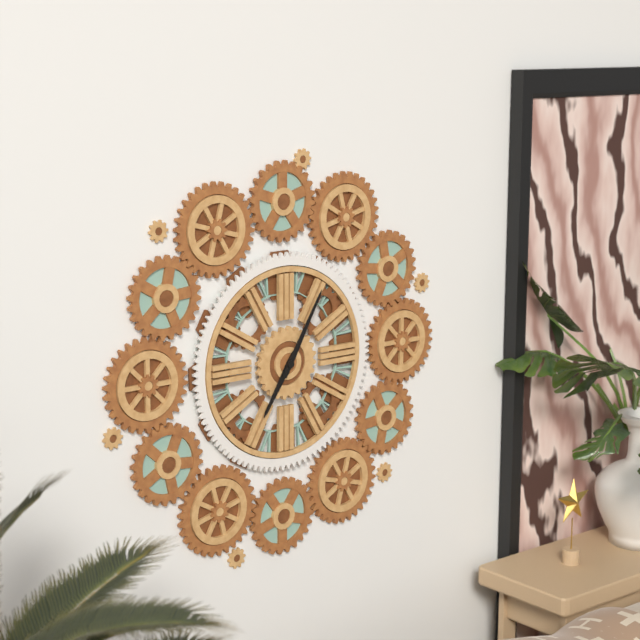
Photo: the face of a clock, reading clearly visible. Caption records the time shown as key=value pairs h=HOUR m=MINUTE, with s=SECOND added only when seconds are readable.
h=7 m=5
